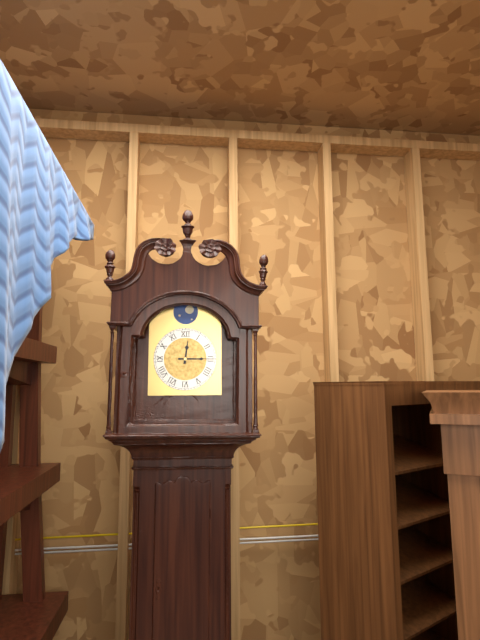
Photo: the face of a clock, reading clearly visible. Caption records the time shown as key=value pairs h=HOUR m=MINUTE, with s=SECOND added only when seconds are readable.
h=12 m=15
